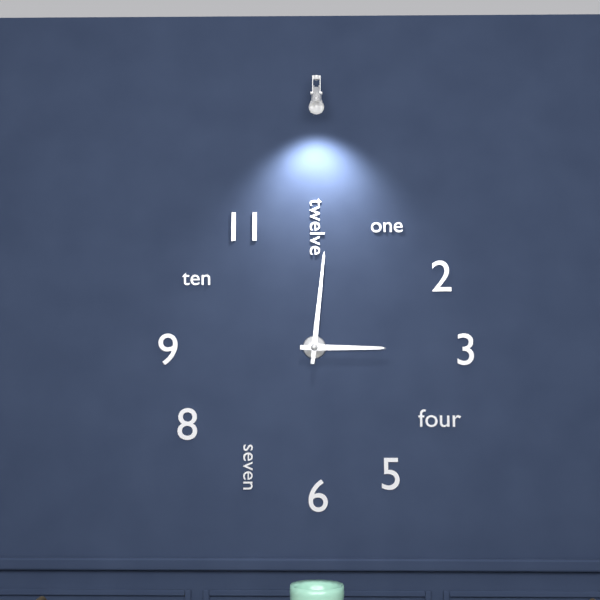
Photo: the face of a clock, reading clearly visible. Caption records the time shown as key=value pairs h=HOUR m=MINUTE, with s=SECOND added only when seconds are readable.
h=3 m=1
